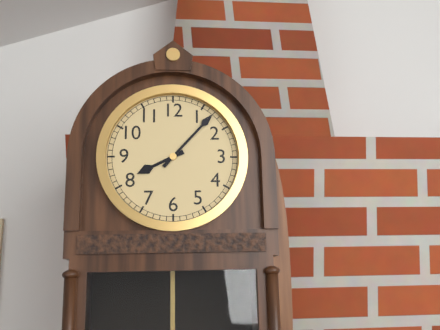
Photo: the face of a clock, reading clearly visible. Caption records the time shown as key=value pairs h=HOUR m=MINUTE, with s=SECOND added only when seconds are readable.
h=8 m=7
